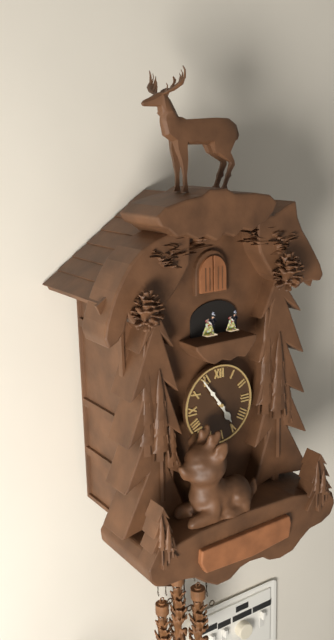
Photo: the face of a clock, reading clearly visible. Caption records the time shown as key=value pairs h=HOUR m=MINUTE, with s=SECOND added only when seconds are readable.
h=4 m=54
